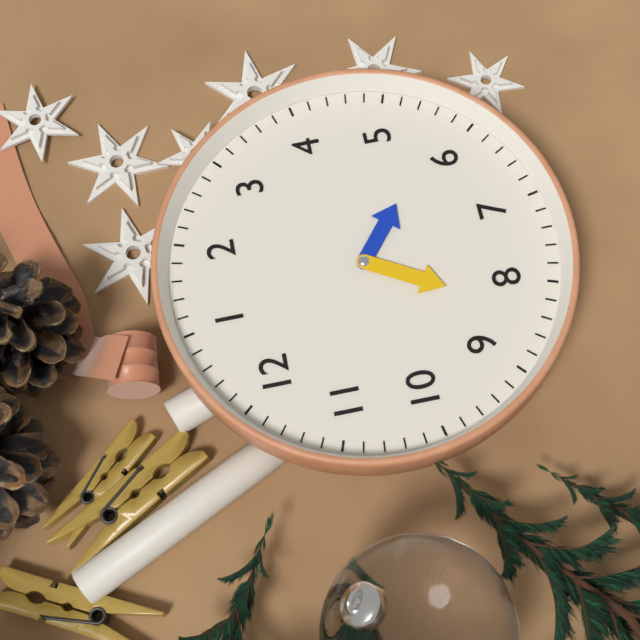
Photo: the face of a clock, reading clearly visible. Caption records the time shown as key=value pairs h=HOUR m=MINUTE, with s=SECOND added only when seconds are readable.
h=5 m=42
